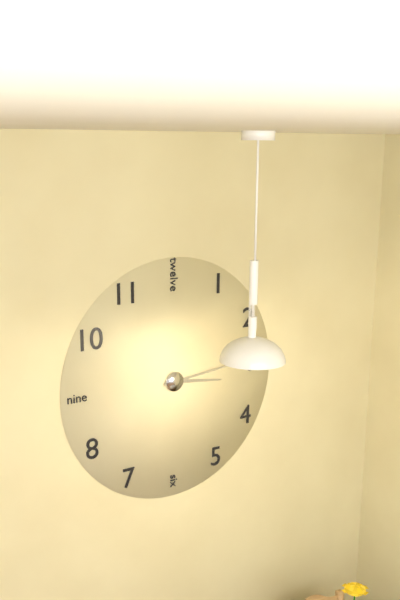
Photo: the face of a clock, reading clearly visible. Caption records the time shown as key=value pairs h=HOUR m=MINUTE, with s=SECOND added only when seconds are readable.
h=3 m=14
